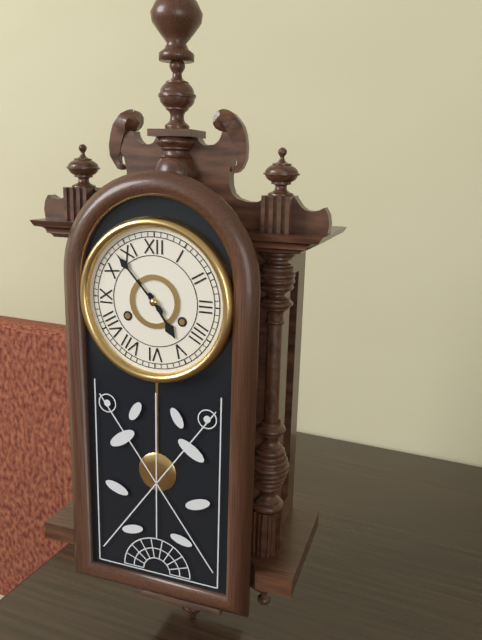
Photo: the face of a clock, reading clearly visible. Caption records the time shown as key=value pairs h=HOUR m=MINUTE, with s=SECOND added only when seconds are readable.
h=4 m=53
